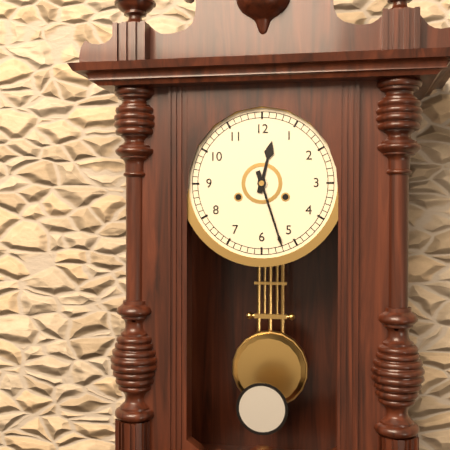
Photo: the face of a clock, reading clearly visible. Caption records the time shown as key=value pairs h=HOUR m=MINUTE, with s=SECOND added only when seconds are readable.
h=12 m=27
